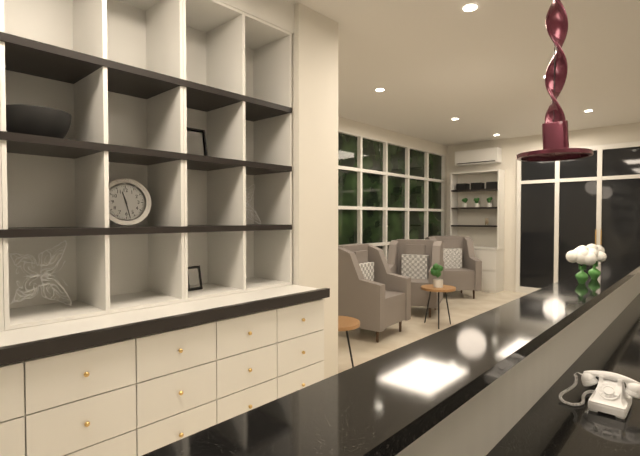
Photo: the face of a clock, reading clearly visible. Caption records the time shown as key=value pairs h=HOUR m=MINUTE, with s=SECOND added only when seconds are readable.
h=11 m=28
